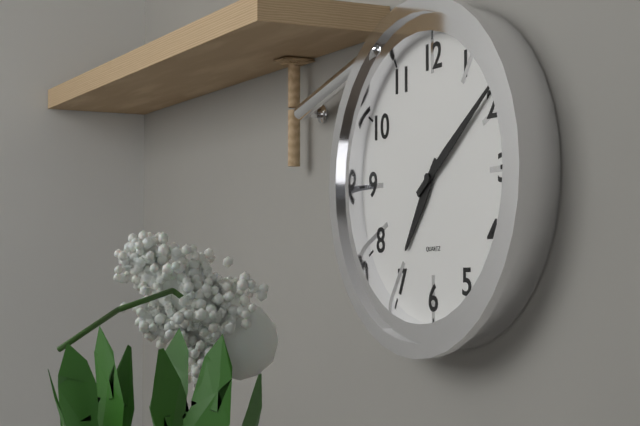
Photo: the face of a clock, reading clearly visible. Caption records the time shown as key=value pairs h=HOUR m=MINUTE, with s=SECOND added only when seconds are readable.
h=7 m=9
